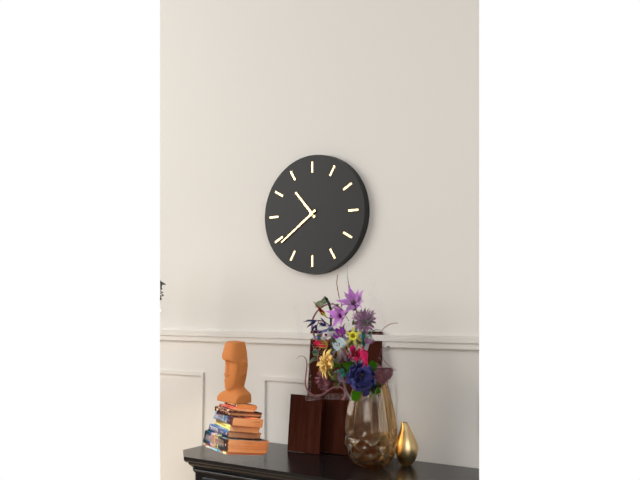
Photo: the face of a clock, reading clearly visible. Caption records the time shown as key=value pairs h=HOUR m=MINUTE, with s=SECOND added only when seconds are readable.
h=10 m=39
